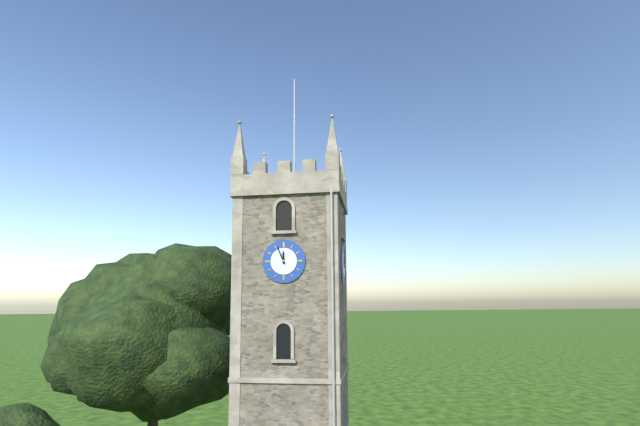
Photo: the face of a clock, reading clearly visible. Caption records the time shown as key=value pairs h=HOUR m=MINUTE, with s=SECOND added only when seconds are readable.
h=11 m=56
